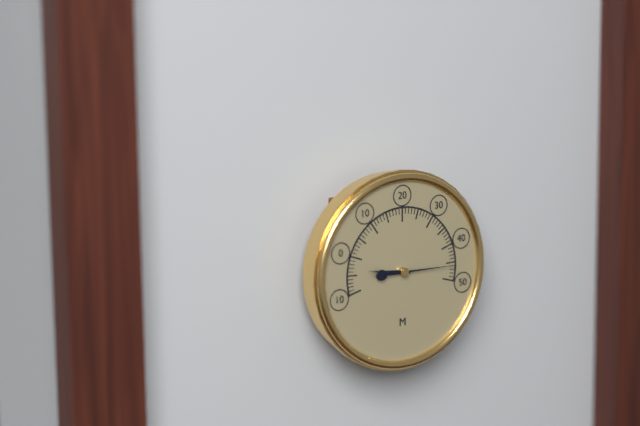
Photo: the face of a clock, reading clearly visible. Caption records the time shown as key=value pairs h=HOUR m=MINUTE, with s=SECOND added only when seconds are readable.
h=9 m=15
